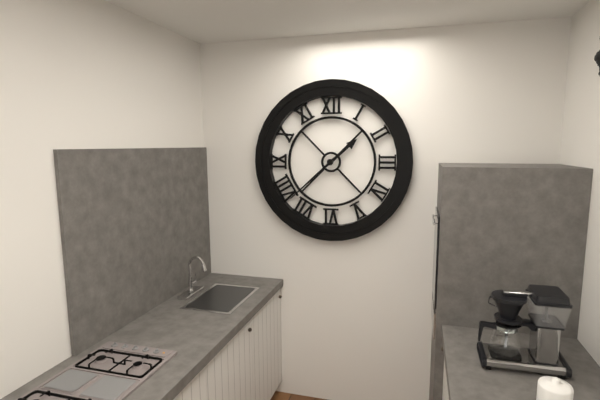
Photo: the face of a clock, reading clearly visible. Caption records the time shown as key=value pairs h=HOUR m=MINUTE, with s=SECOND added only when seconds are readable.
h=1 m=38
